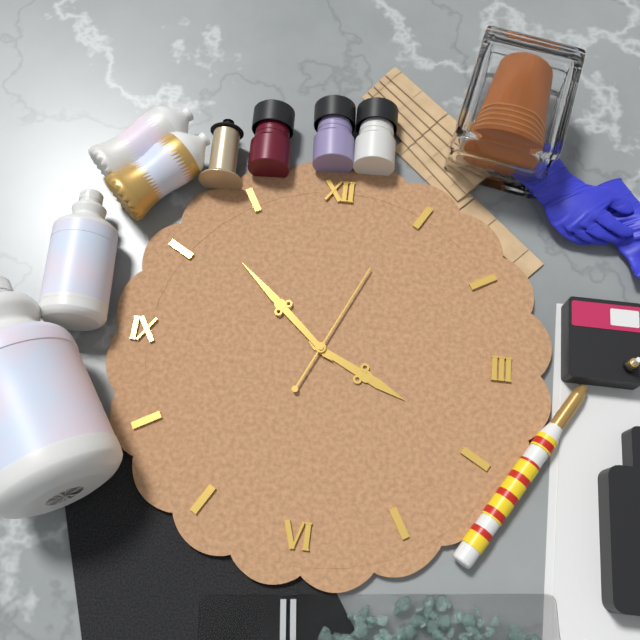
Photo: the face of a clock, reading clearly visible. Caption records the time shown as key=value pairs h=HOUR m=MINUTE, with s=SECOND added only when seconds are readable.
h=3 m=52 s=4
